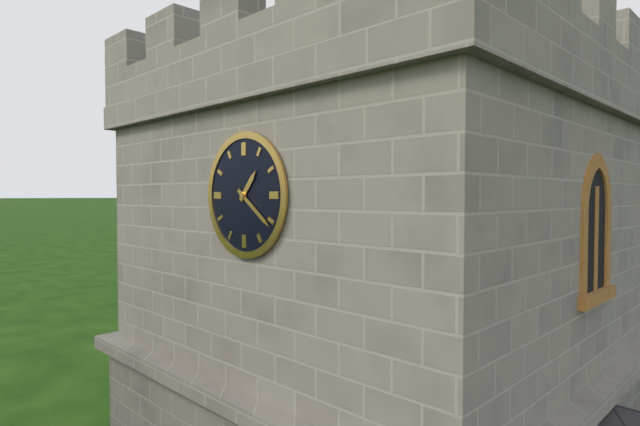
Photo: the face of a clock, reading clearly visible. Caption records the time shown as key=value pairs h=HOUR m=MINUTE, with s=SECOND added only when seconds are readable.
h=1 m=21
